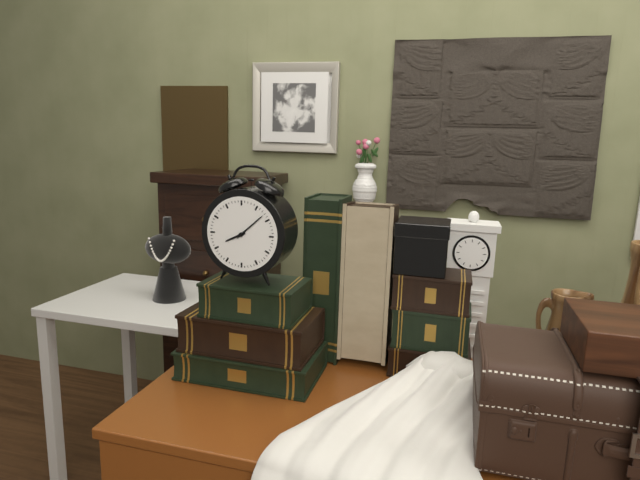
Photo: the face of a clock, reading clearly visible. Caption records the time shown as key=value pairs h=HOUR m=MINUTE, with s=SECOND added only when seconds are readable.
h=8 m=8
